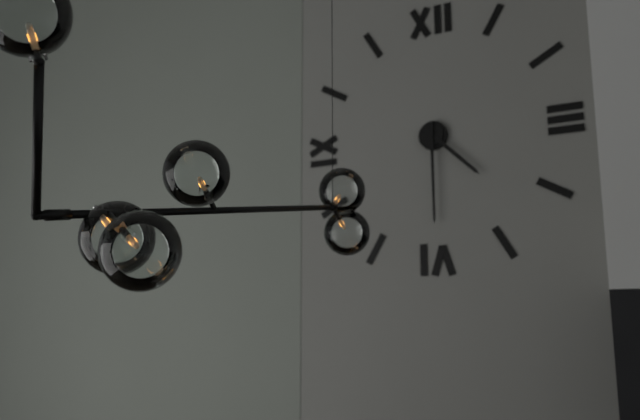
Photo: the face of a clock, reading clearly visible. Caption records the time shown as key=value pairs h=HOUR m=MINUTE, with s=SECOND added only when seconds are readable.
h=4 m=30
